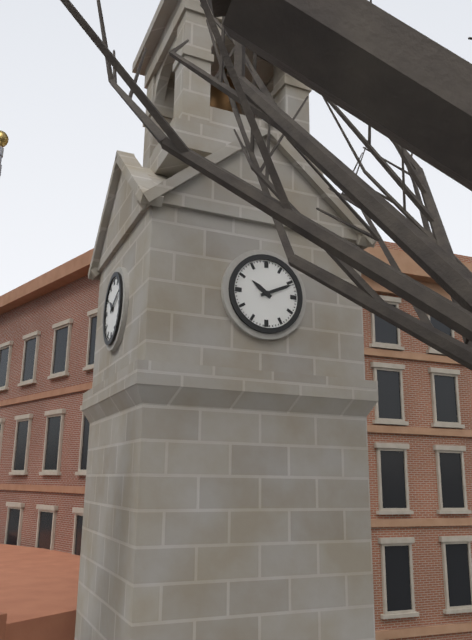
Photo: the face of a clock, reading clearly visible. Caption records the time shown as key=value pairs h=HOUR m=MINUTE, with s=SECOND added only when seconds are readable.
h=10 m=11
